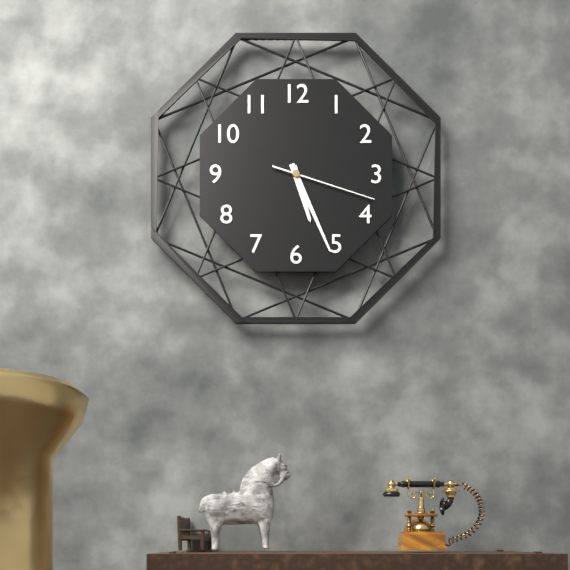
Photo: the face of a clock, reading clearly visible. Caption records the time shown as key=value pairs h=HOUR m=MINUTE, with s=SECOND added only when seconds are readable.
h=5 m=26 s=18
